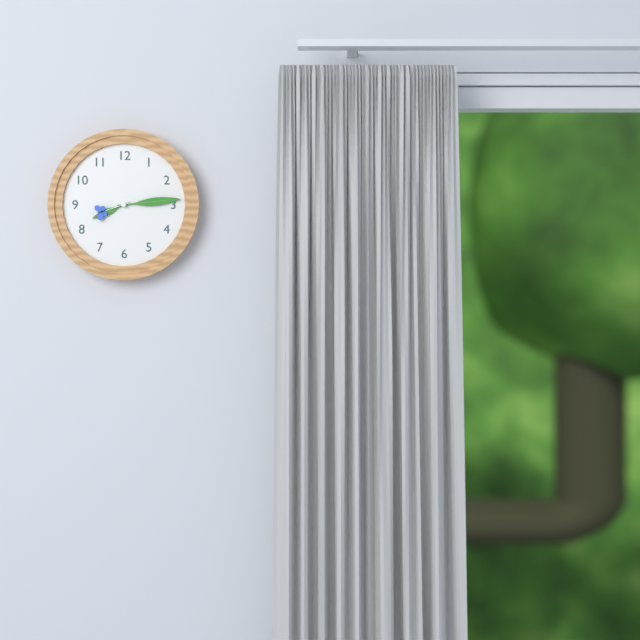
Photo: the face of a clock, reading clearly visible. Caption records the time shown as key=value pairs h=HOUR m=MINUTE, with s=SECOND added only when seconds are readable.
h=8 m=14
